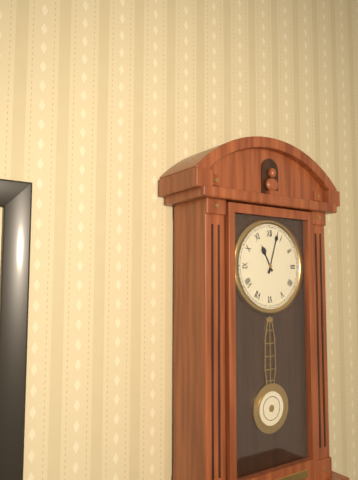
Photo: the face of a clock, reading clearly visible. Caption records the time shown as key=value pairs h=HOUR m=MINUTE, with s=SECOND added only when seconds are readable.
h=11 m=3
